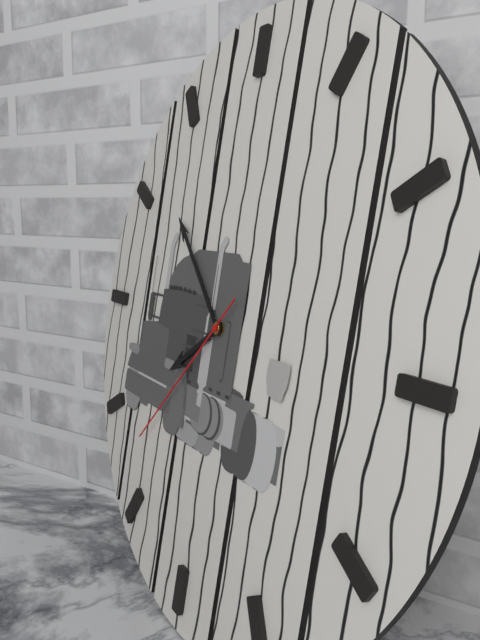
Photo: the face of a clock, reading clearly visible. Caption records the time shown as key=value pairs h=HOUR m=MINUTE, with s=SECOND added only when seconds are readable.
h=7 m=52 s=37
